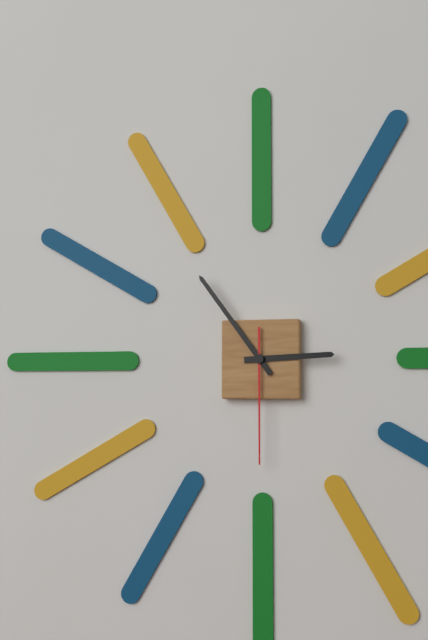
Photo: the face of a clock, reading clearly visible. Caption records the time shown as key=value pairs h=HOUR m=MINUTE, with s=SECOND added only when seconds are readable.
h=2 m=54 s=30
